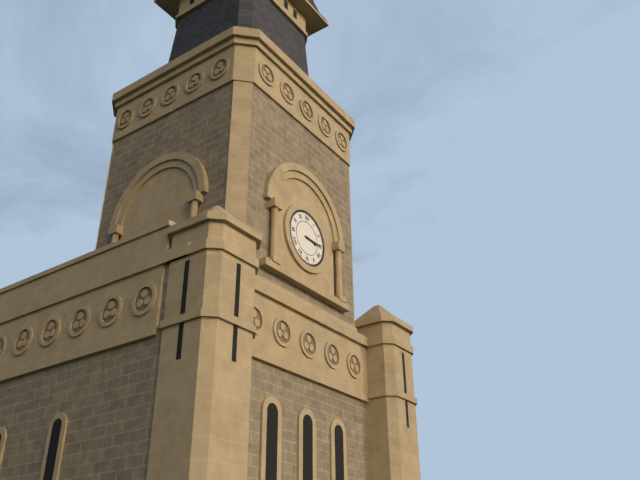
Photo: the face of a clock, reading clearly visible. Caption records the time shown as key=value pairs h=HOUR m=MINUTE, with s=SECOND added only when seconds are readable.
h=3 m=15
